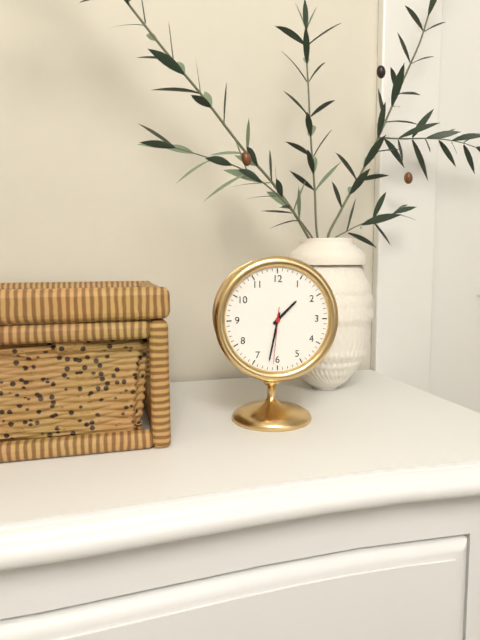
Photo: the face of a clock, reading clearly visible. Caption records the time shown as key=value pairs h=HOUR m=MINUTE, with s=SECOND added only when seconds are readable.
h=1 m=32 s=31
